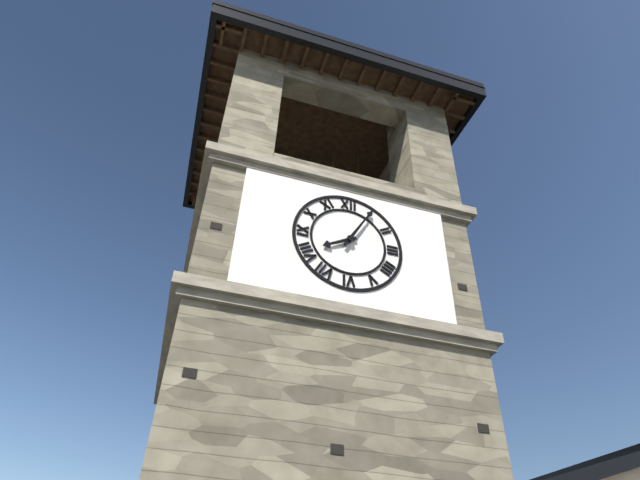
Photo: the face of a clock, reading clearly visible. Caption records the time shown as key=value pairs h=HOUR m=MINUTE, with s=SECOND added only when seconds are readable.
h=8 m=5
